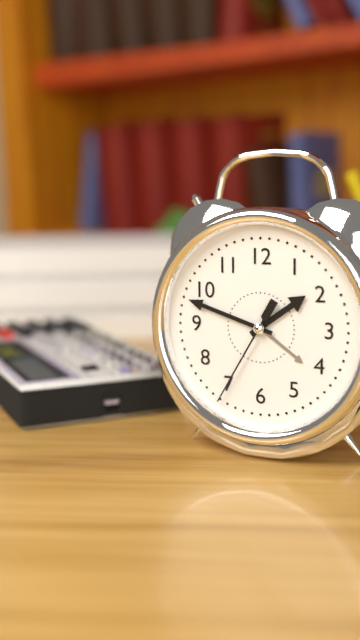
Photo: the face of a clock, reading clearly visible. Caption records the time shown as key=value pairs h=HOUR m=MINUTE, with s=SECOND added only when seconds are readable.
h=1 m=48 s=35
